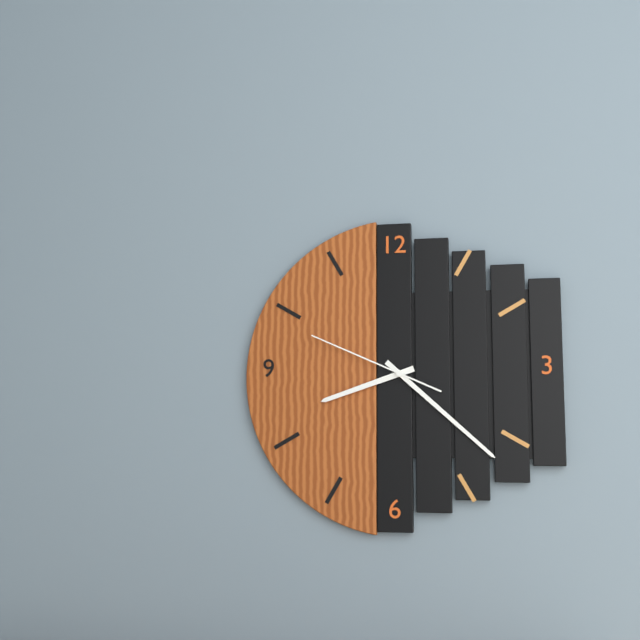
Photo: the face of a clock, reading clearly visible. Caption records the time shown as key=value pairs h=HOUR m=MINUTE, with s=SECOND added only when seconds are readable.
h=8 m=22 s=49
